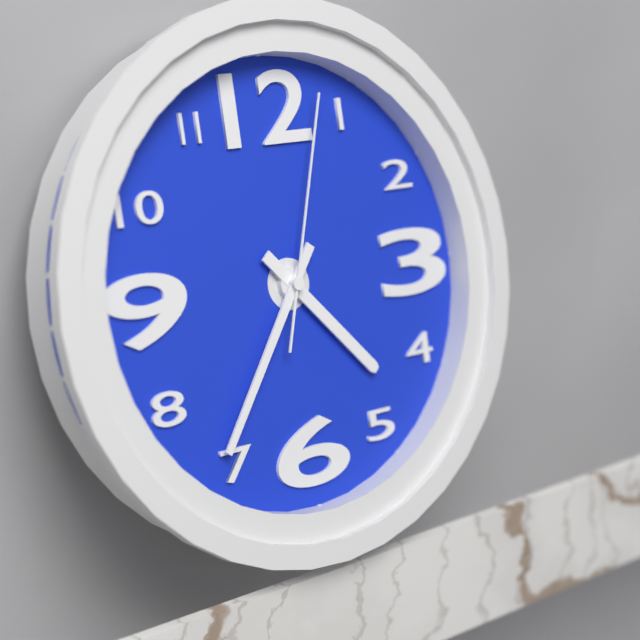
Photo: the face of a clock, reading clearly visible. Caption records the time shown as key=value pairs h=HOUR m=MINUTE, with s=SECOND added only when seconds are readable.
h=4 m=36 s=3
